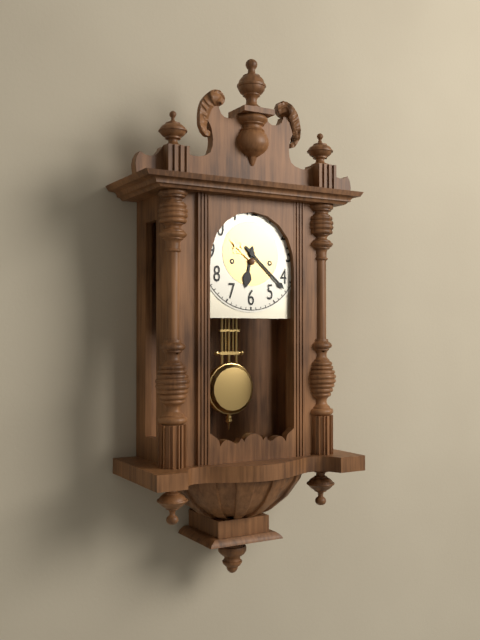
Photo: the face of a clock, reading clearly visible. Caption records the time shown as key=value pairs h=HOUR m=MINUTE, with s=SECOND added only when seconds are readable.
h=6 m=22
